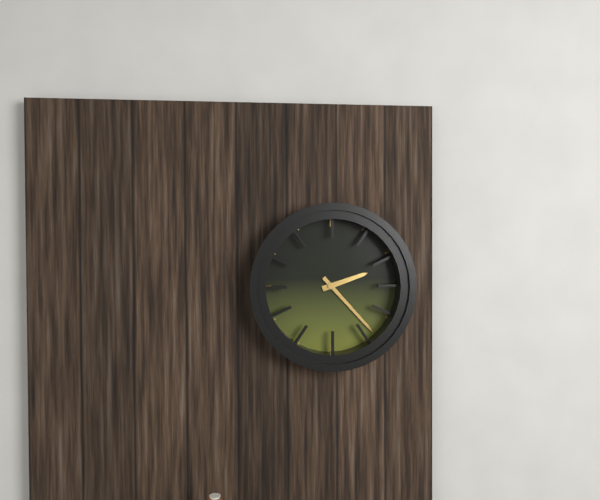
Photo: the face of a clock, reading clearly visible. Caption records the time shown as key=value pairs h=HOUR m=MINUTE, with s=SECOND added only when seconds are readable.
h=2 m=23
